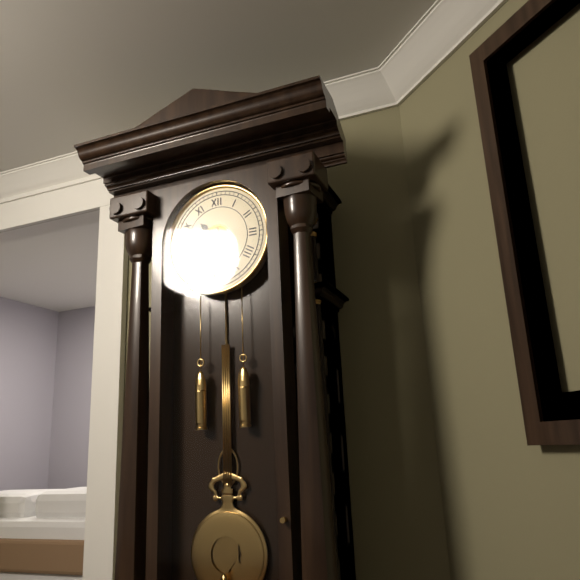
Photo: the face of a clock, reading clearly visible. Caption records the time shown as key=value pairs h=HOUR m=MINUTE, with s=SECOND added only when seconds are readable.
h=10 m=31
